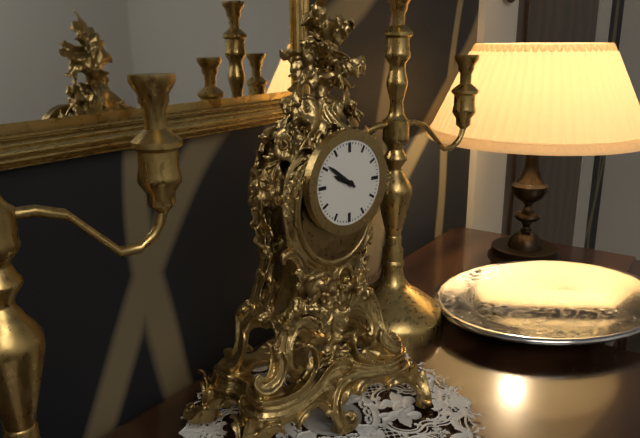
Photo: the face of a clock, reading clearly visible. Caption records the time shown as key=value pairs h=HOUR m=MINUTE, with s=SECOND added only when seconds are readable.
h=9 m=51
